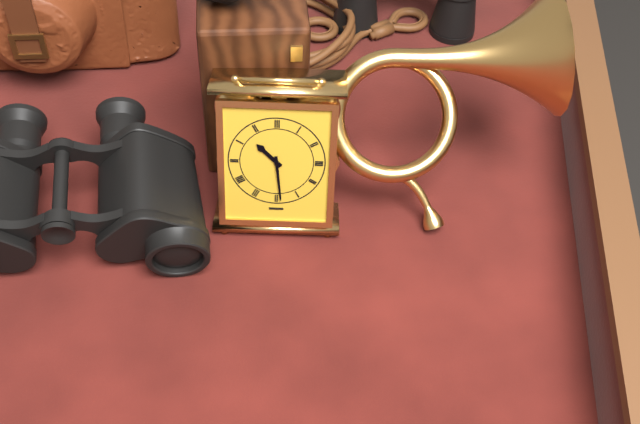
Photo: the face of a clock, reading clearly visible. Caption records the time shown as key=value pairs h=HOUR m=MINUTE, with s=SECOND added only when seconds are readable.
h=10 m=29
